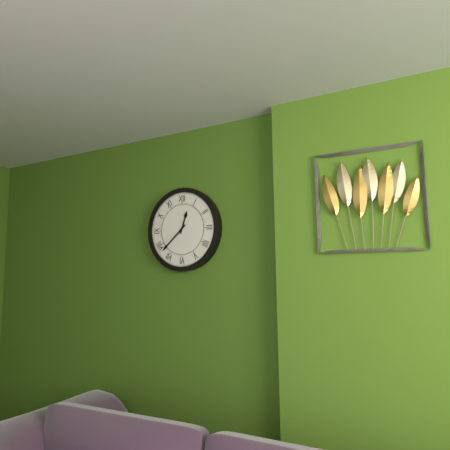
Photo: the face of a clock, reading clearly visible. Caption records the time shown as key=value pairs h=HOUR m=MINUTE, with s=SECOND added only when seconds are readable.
h=12 m=38
